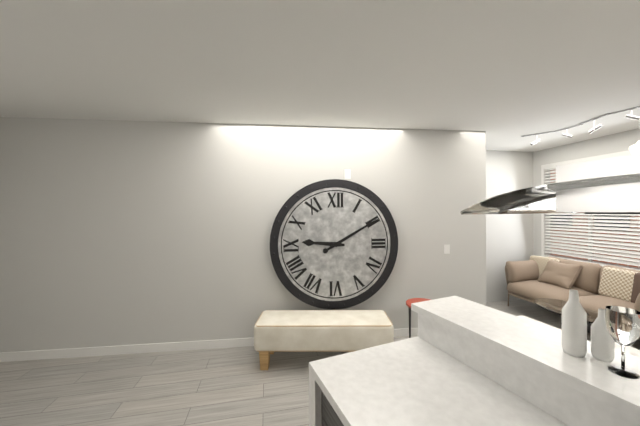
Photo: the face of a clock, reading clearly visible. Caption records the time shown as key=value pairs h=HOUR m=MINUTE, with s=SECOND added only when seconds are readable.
h=9 m=10
